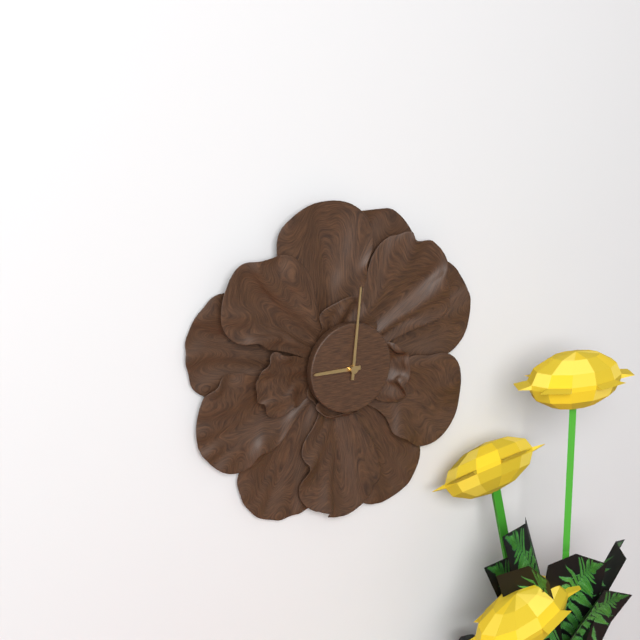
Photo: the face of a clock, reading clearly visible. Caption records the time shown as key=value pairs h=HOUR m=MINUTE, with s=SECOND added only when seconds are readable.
h=9 m=1
